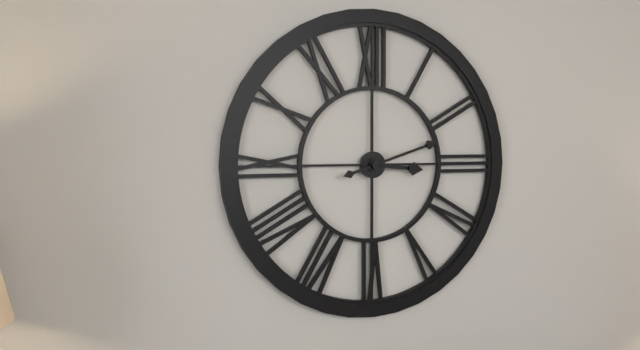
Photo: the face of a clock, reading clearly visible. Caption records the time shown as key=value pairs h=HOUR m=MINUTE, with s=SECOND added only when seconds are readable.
h=3 m=12
